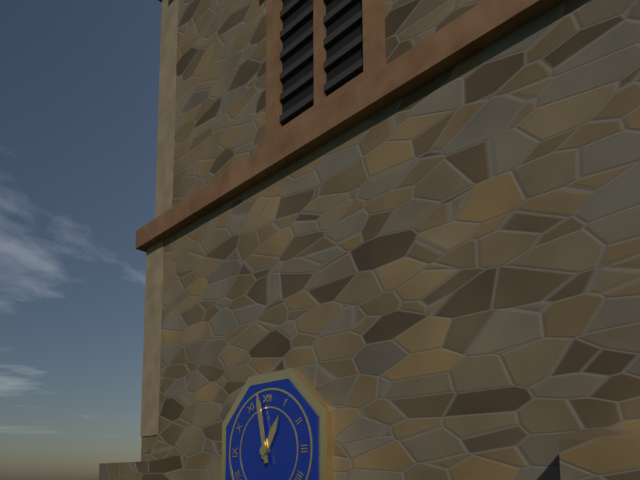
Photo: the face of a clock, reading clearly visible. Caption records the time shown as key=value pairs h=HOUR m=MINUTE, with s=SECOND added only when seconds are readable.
h=12 m=58
